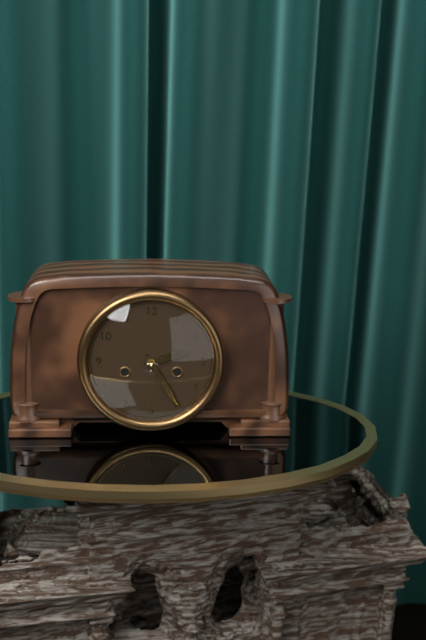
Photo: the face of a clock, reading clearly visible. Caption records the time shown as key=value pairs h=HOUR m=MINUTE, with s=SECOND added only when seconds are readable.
h=2 m=25
